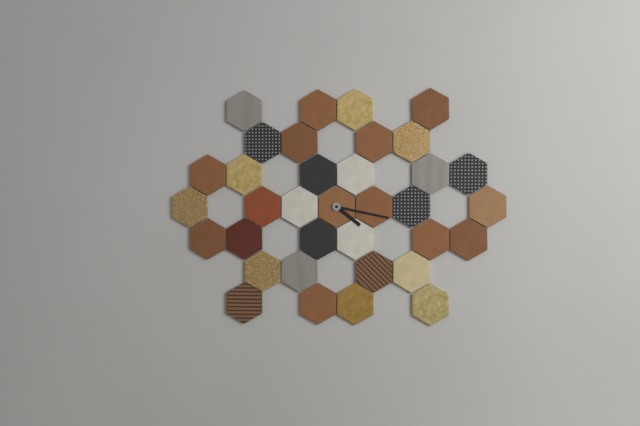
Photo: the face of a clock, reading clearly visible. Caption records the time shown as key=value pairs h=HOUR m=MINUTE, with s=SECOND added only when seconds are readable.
h=4 m=17
